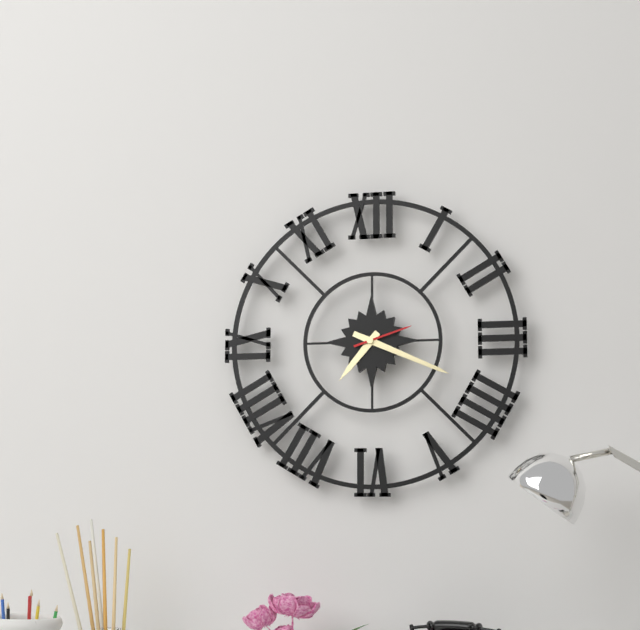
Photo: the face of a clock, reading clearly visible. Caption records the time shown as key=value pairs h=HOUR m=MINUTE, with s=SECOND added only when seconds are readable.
h=7 m=19 s=12
